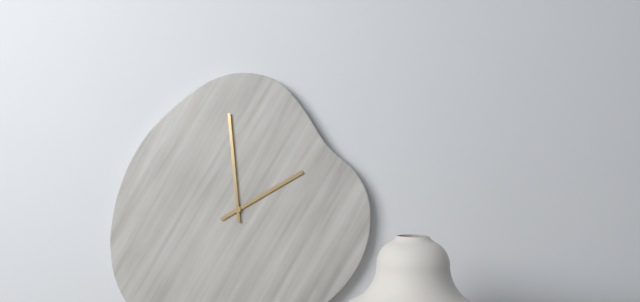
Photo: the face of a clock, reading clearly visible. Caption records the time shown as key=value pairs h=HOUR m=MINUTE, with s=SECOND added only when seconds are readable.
h=1 m=59
